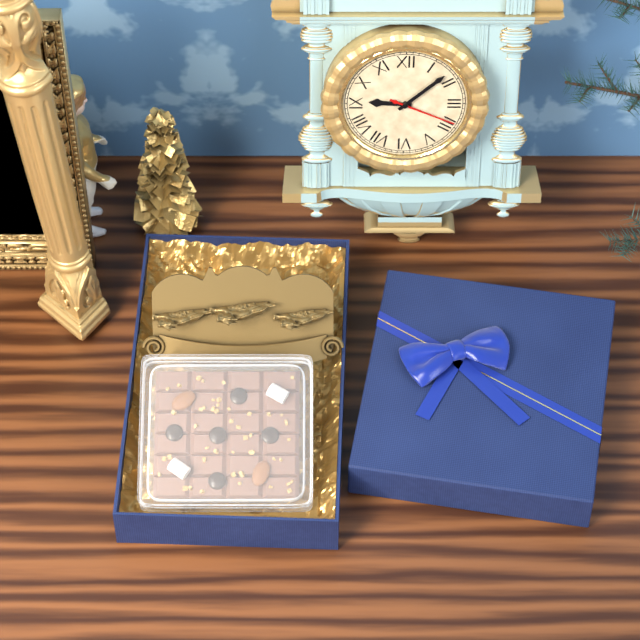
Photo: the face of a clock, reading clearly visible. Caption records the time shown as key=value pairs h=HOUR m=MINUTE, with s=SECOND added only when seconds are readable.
h=9 m=8 s=19
